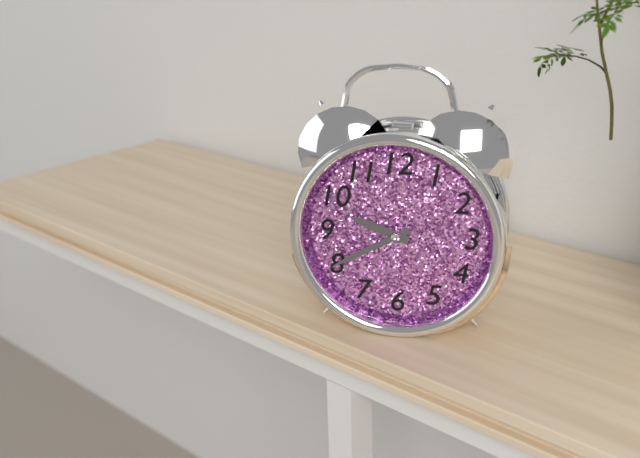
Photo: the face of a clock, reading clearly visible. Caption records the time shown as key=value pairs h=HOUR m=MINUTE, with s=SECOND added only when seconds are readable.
h=9 m=40
